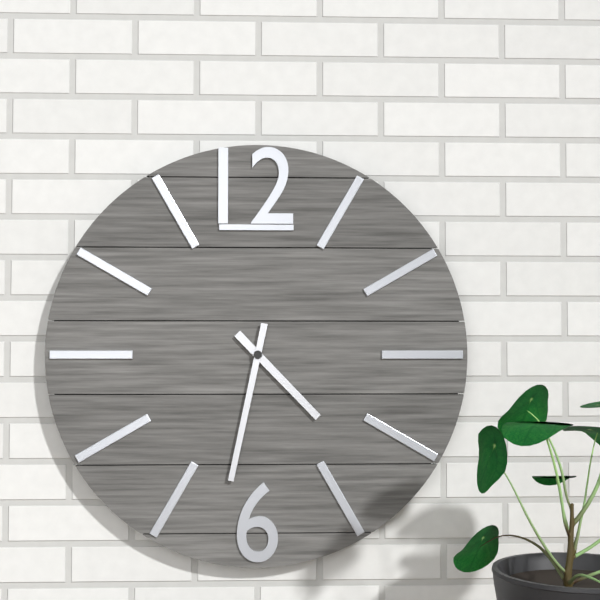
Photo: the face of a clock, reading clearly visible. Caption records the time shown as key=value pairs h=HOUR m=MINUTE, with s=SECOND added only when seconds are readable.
h=4 m=32
